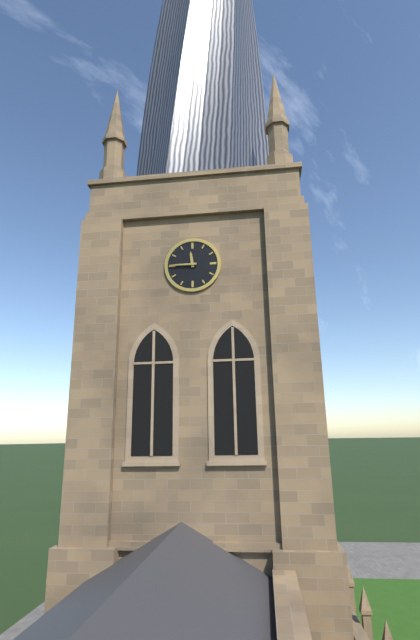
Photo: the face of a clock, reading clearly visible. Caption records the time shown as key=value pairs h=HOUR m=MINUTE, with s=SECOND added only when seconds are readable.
h=11 m=45
